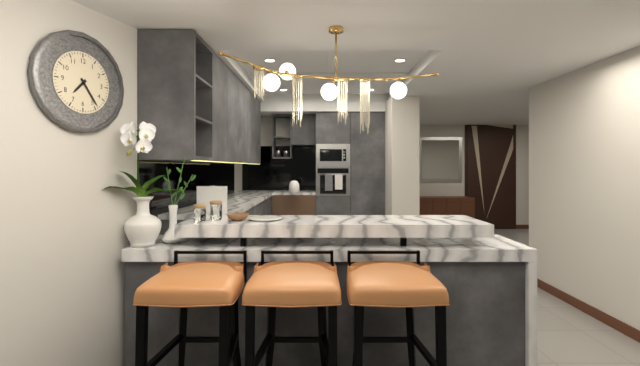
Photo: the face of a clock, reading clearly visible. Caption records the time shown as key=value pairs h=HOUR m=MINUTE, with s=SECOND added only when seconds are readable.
h=7 m=24
